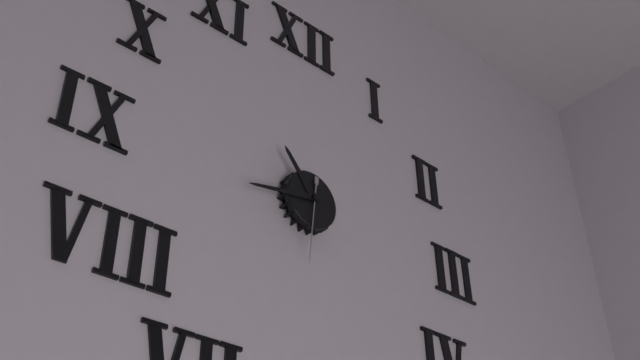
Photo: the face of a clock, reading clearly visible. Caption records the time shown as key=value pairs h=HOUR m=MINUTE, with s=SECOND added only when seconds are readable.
h=10 m=43 s=31
